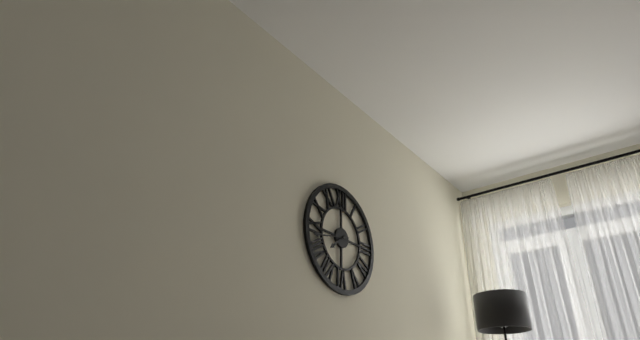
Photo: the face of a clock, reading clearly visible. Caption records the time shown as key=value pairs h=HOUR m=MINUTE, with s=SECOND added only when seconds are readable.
h=7 m=43
